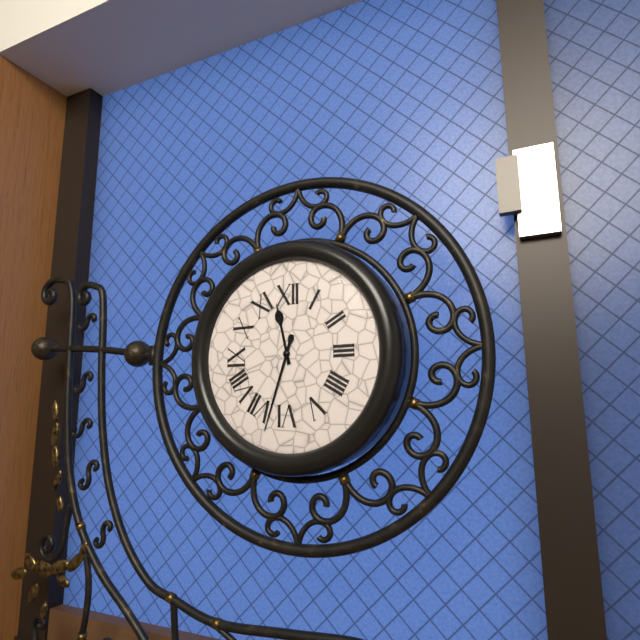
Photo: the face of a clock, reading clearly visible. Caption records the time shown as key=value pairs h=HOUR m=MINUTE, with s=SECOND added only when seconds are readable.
h=11 m=33
